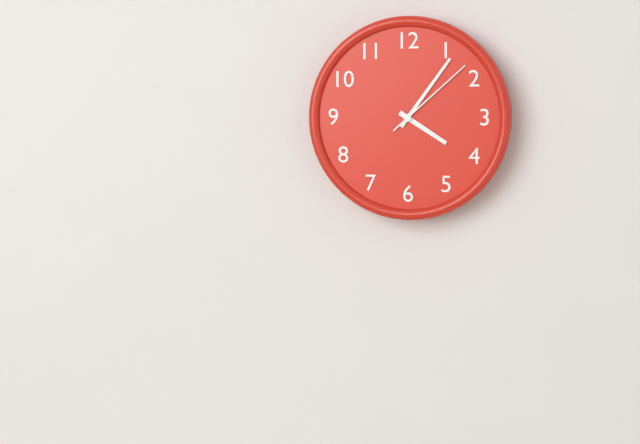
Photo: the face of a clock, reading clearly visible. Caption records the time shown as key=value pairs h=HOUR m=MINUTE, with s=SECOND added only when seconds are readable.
h=4 m=6 s=8
